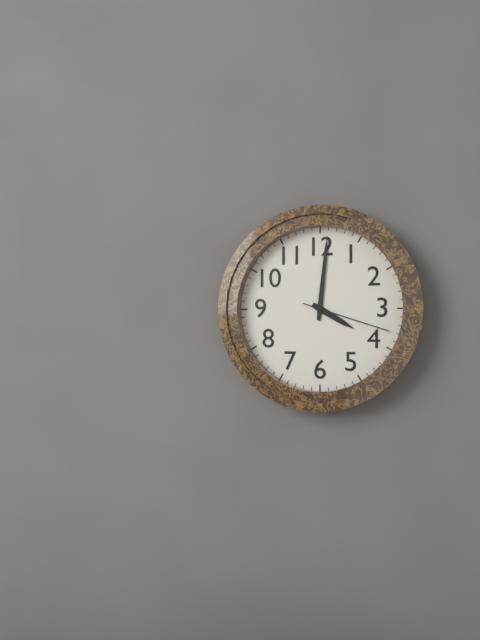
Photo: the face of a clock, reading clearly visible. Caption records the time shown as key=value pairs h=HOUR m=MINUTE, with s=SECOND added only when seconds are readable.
h=4 m=1 s=18
